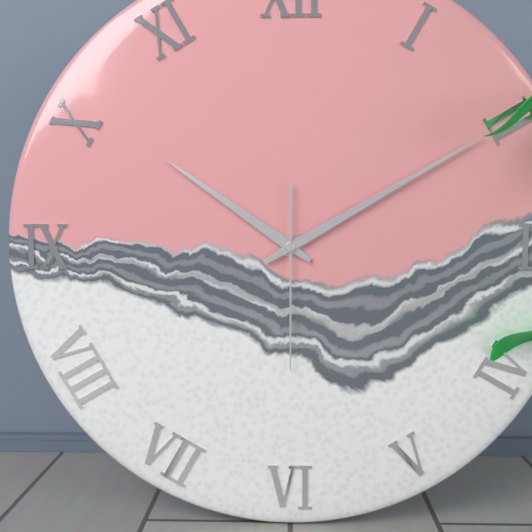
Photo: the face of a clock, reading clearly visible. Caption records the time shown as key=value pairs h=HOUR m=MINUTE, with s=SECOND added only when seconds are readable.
h=10 m=10 s=30
